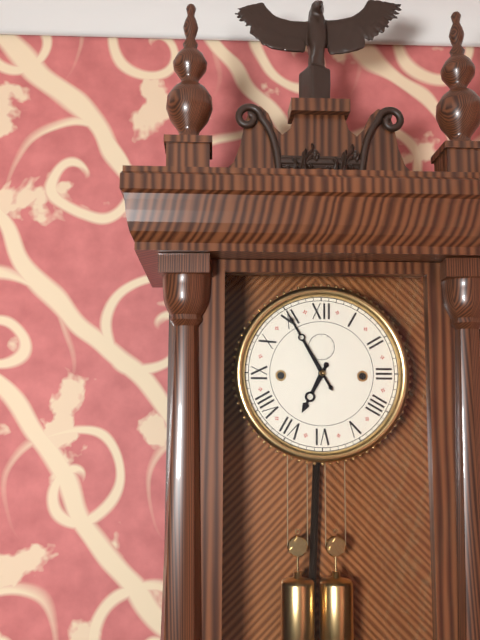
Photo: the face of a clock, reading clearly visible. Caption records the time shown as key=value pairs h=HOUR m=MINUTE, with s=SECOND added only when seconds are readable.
h=6 m=55
